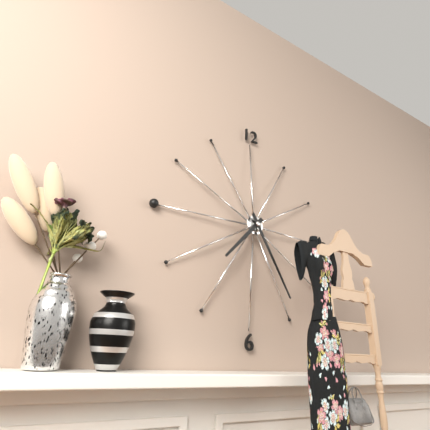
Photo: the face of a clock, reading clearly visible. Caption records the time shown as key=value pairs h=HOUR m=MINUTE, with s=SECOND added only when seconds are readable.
h=7 m=25
